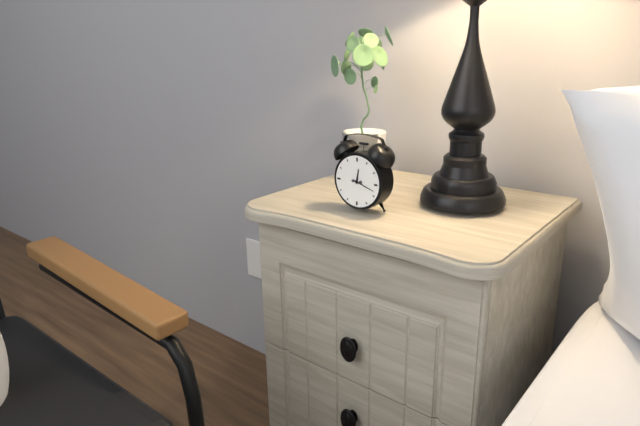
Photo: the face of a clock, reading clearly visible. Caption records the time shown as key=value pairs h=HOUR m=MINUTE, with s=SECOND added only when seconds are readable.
h=12 m=18
